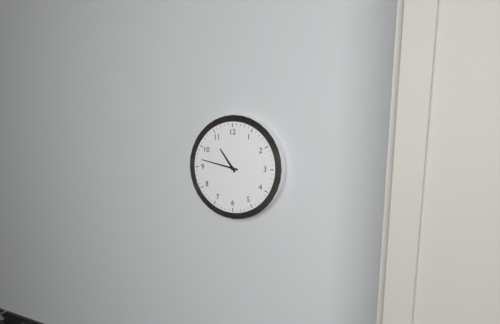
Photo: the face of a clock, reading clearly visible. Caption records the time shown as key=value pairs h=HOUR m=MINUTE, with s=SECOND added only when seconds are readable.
h=10 m=47
